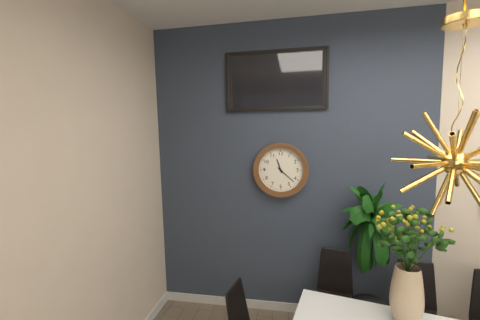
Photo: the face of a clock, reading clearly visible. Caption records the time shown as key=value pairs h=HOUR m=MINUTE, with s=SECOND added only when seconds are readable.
h=11 m=22
